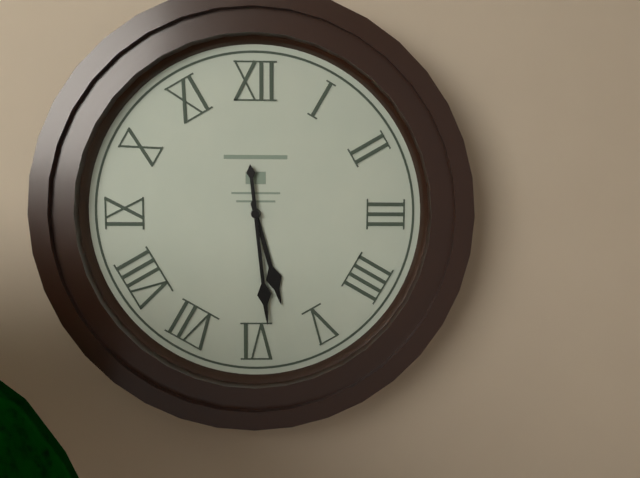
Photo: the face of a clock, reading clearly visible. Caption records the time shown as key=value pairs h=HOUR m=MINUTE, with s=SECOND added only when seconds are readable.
h=5 m=29
